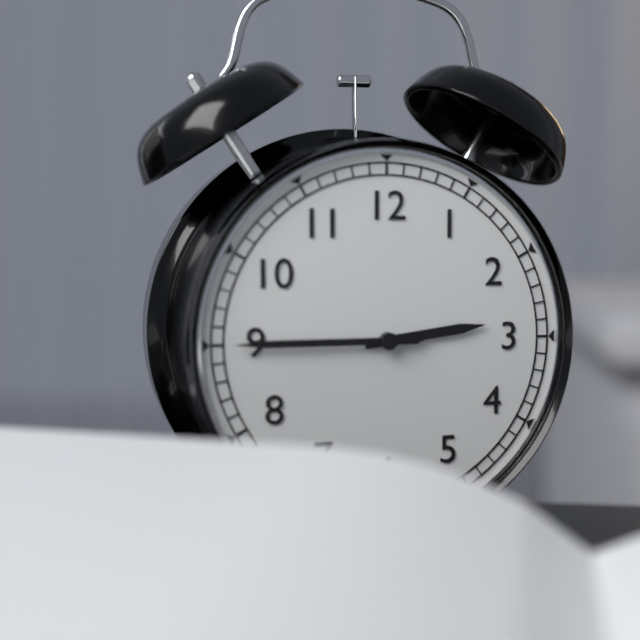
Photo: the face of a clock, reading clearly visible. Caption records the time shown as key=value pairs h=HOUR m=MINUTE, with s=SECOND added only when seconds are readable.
h=2 m=45 s=45
